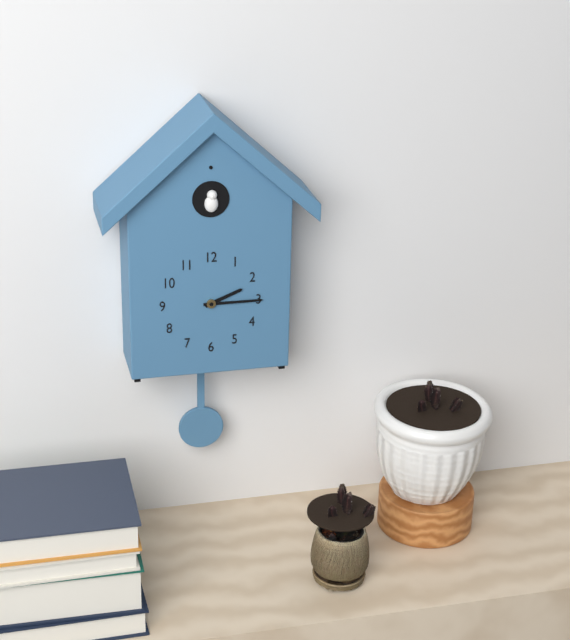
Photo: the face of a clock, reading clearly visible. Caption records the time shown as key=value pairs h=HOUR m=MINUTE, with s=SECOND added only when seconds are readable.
h=2 m=15
